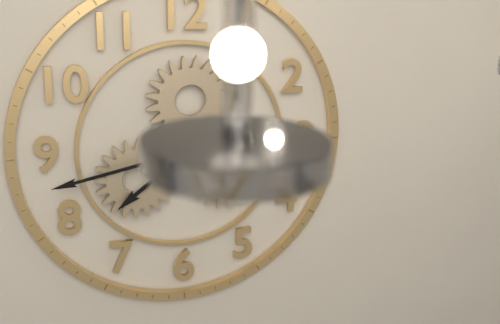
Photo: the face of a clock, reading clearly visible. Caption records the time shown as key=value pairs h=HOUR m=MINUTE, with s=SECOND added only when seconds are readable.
h=7 m=43
